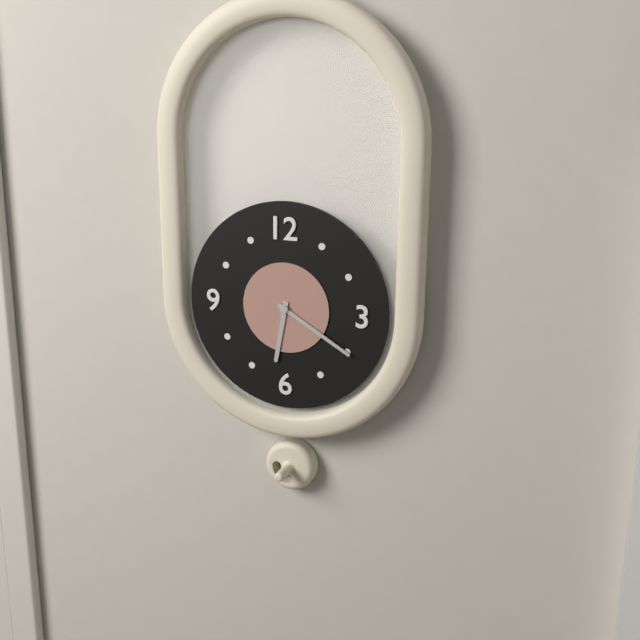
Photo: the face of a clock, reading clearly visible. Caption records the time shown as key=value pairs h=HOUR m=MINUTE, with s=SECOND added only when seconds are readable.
h=6 m=20
